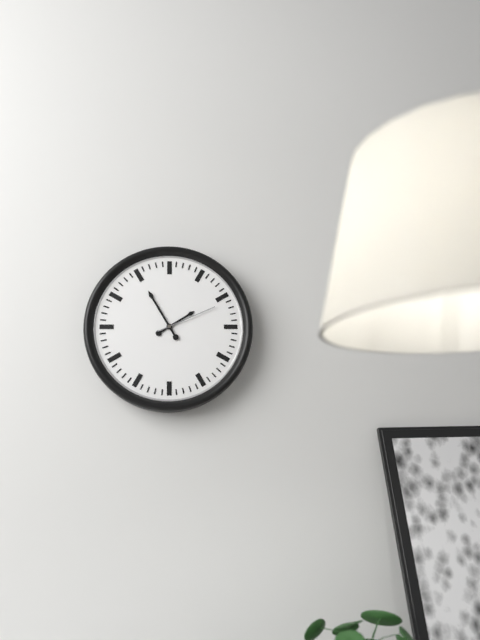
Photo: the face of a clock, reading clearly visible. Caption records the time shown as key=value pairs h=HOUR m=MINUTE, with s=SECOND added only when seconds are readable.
h=1 m=55 s=11
